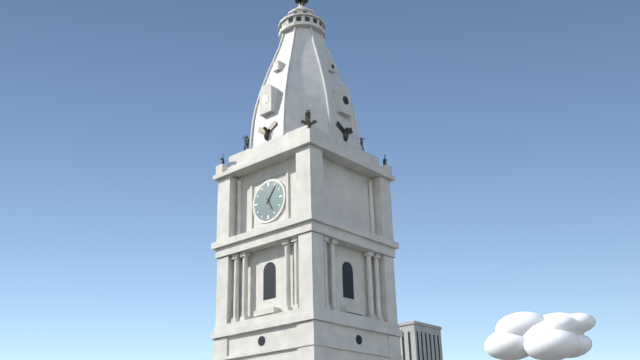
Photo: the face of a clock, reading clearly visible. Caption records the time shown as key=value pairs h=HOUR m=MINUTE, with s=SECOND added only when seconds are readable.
h=5 m=6
